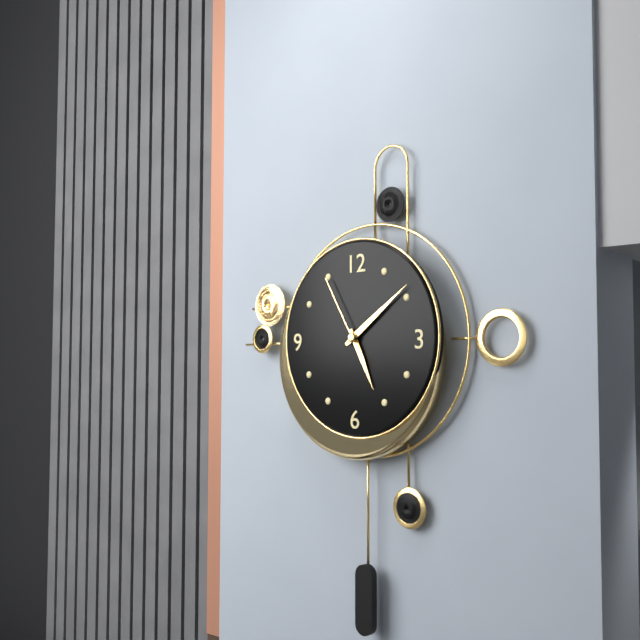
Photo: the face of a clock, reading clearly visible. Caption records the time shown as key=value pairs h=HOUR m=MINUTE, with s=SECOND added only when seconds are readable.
h=5 m=9 s=55
